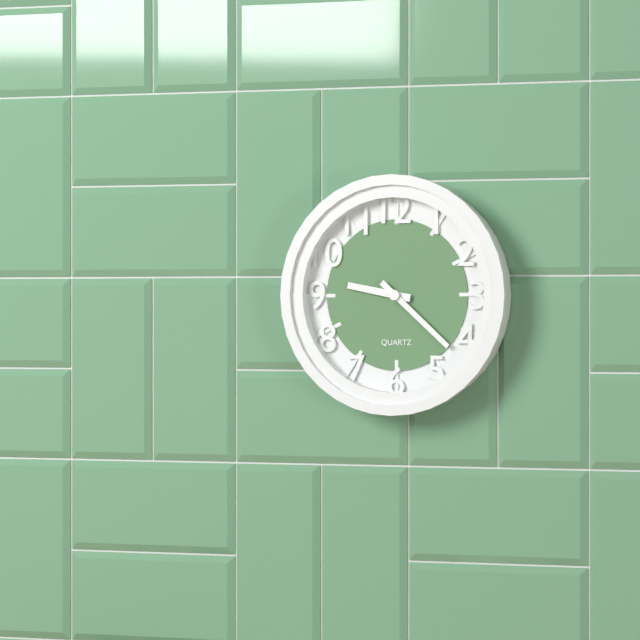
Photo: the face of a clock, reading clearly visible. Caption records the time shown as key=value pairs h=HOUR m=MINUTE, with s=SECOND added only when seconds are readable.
h=9 m=22
